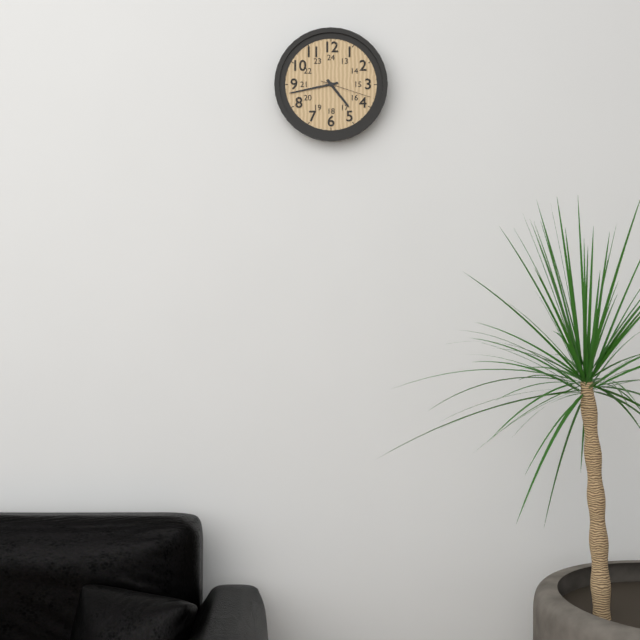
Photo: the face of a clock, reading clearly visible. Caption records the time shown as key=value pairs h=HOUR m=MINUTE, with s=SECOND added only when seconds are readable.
h=4 m=43 s=18
